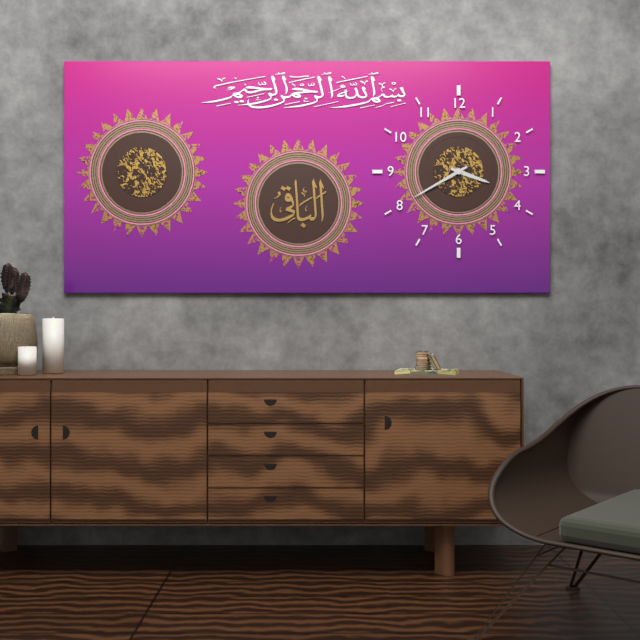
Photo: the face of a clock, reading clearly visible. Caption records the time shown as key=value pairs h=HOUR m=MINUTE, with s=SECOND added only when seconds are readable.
h=3 m=40
